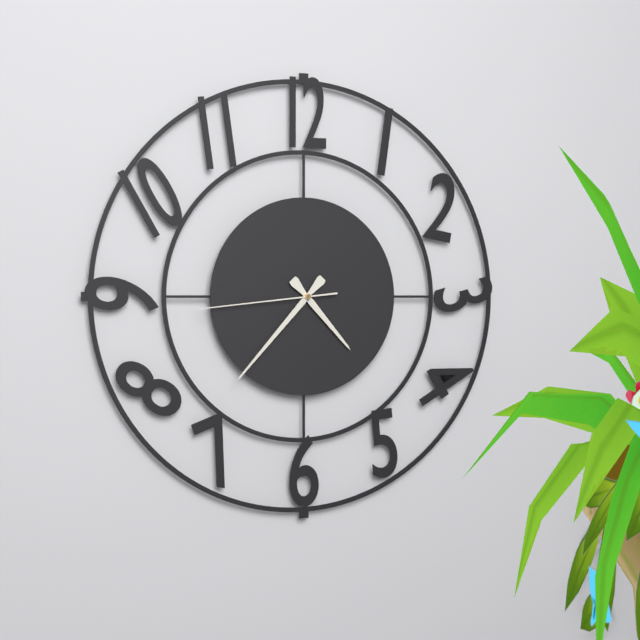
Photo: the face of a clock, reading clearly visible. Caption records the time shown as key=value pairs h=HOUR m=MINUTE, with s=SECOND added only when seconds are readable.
h=4 m=37 s=44
